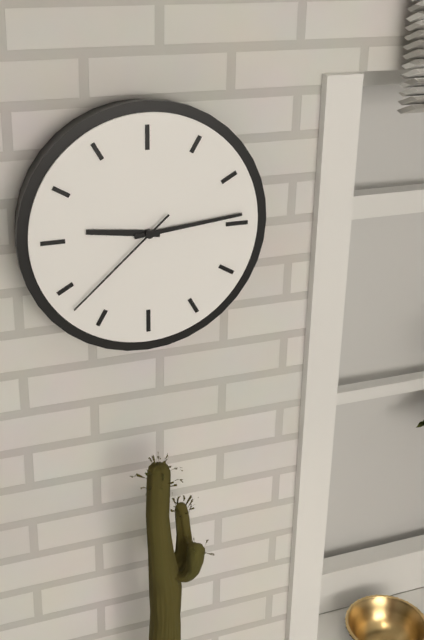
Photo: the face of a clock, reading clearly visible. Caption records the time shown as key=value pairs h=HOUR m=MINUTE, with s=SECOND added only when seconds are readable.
h=9 m=14 s=38
